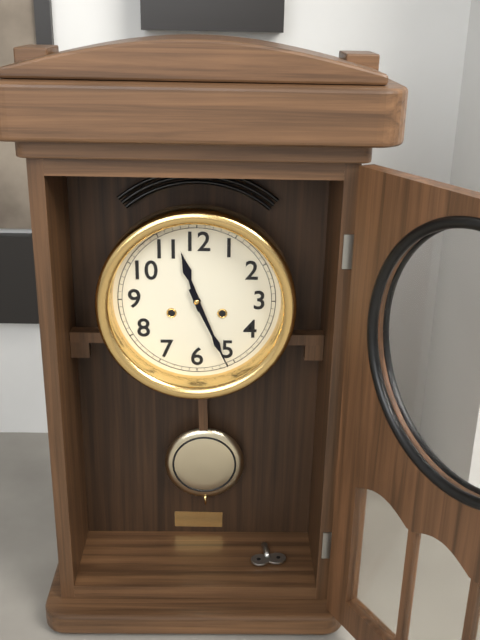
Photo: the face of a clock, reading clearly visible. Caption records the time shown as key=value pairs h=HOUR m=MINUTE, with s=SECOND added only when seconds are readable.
h=11 m=26
